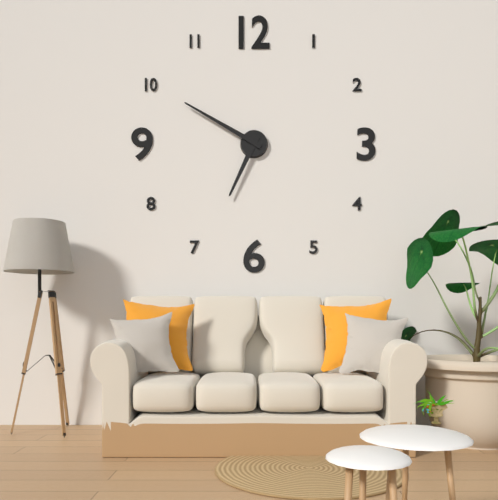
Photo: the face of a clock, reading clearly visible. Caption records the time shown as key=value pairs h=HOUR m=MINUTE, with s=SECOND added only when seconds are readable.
h=6 m=50
